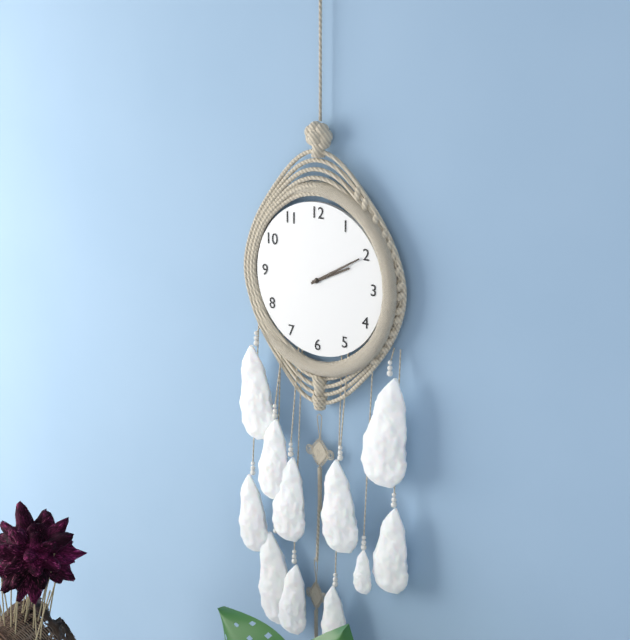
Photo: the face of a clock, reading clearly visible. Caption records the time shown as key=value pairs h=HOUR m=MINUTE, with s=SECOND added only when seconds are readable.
h=2 m=10
